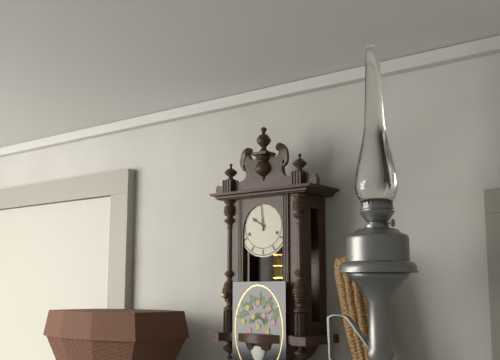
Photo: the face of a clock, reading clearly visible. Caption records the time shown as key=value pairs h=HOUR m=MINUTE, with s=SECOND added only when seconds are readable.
h=9 m=59
